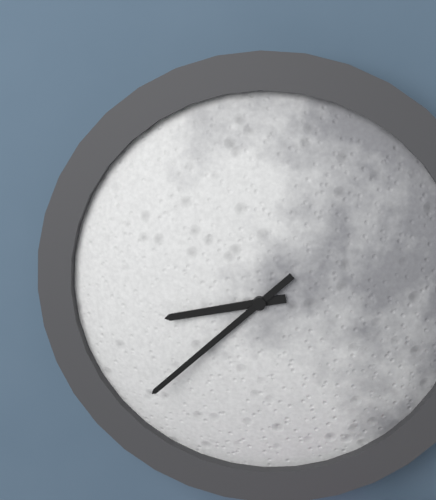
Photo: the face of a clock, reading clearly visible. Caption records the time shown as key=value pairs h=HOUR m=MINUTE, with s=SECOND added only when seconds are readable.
h=8 m=38
